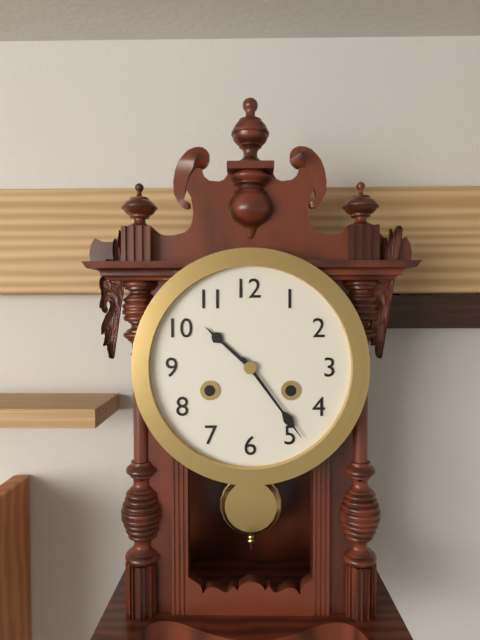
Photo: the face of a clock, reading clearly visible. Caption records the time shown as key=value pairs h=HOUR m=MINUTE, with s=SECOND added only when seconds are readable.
h=10 m=24
